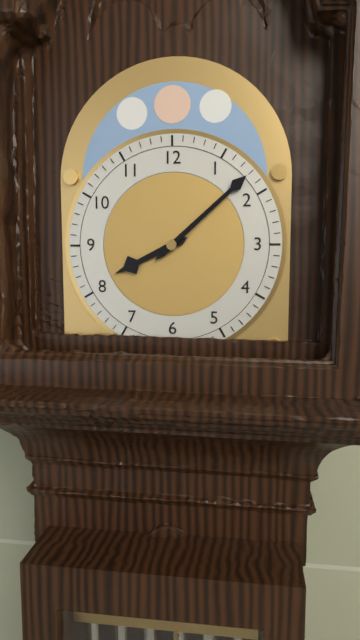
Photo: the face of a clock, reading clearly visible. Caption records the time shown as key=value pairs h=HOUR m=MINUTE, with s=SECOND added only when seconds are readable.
h=8 m=8
